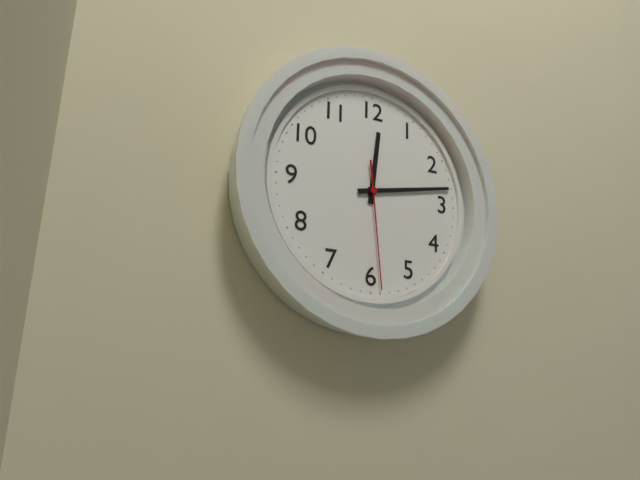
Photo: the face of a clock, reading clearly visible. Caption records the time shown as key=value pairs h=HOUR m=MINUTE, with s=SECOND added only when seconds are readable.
h=12 m=13 s=29
